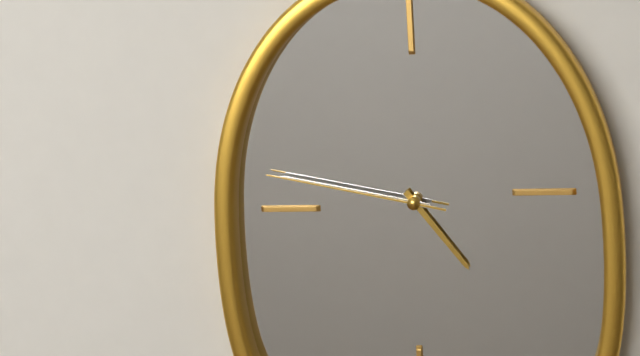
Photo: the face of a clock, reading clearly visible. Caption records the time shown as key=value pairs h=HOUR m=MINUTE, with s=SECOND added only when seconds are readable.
h=4 m=47 s=47
